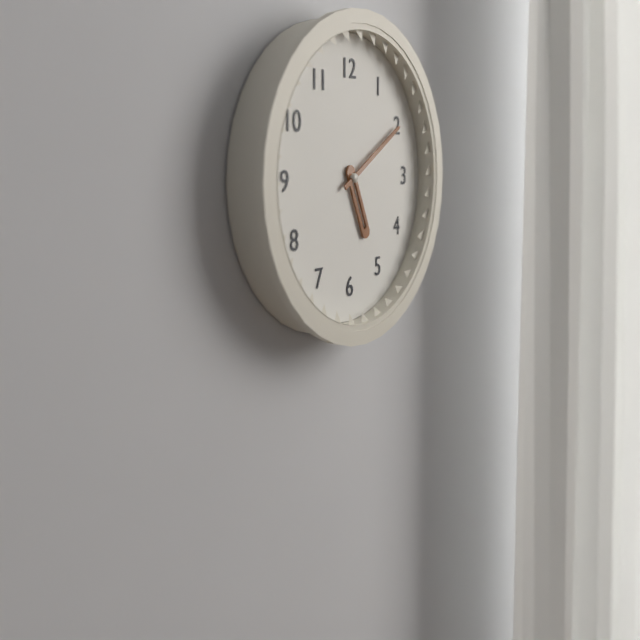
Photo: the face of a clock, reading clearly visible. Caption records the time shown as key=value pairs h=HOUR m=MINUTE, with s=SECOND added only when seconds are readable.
h=5 m=10
